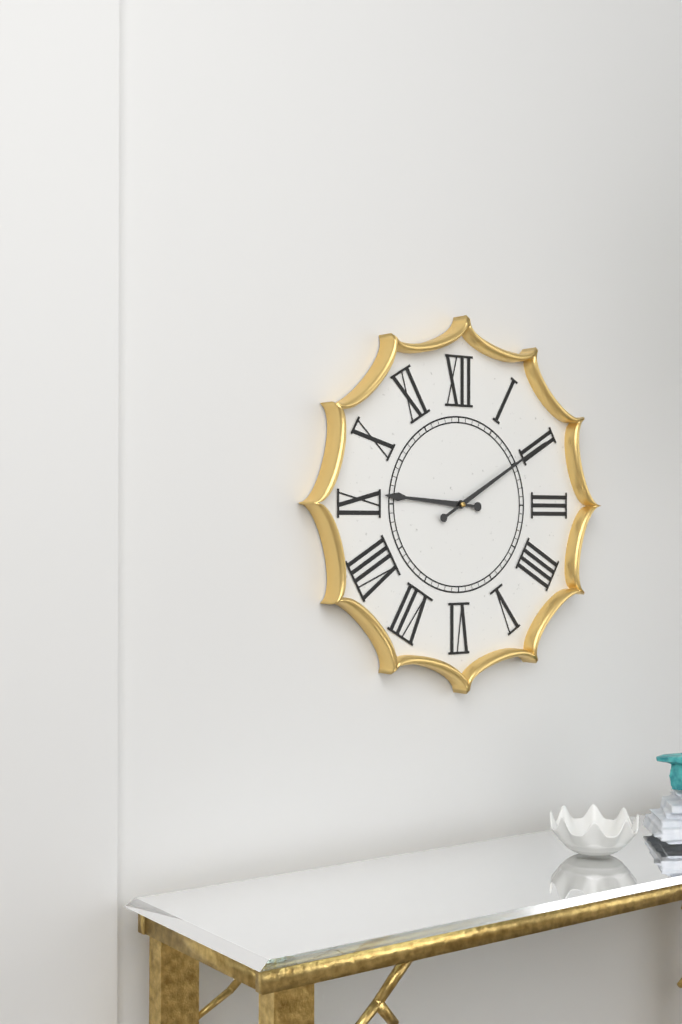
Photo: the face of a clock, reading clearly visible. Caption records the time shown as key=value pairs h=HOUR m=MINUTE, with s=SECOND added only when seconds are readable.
h=9 m=10
